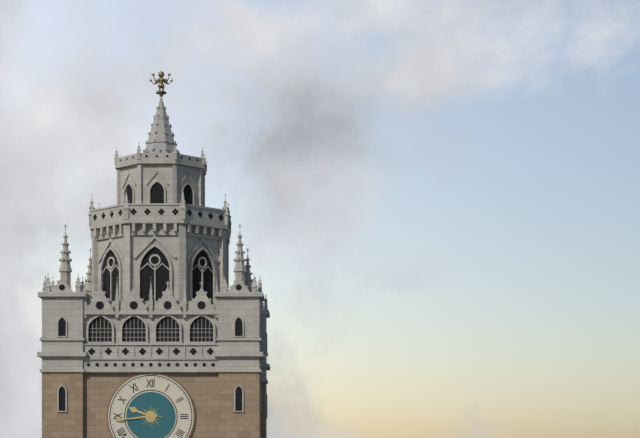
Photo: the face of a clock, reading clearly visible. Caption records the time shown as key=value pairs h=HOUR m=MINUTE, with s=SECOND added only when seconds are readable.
h=9 m=44
